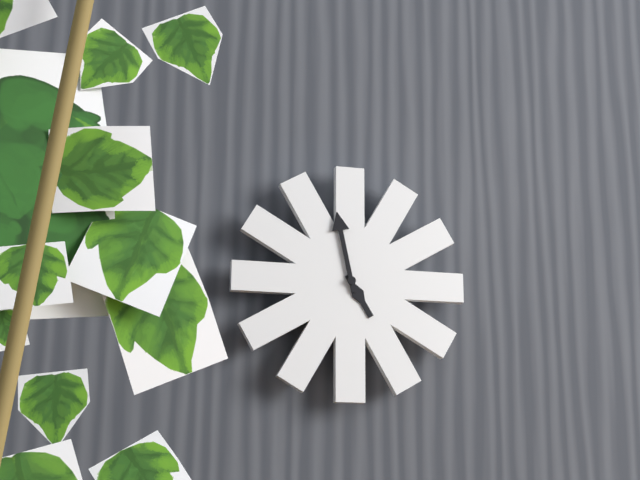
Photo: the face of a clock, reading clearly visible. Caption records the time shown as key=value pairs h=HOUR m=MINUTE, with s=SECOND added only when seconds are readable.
h=4 m=58
